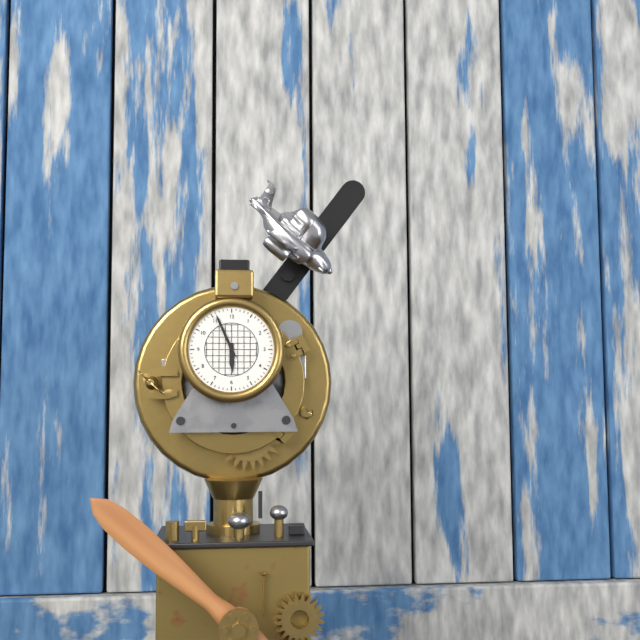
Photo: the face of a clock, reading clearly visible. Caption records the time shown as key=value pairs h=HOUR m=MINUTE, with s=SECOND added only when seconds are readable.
h=5 m=56
